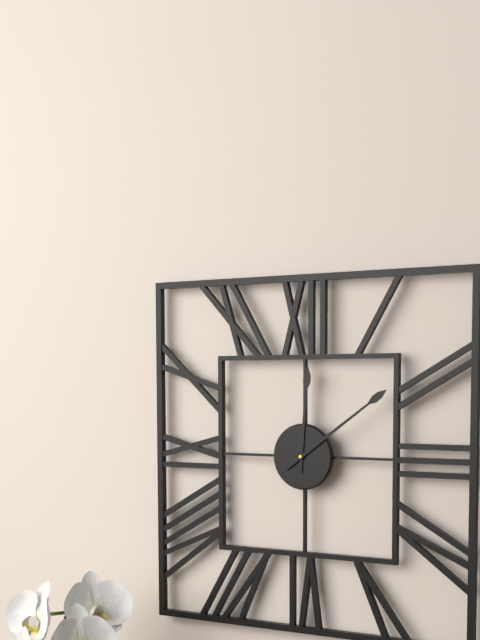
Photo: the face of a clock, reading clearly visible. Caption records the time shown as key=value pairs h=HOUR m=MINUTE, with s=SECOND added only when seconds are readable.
h=12 m=9
